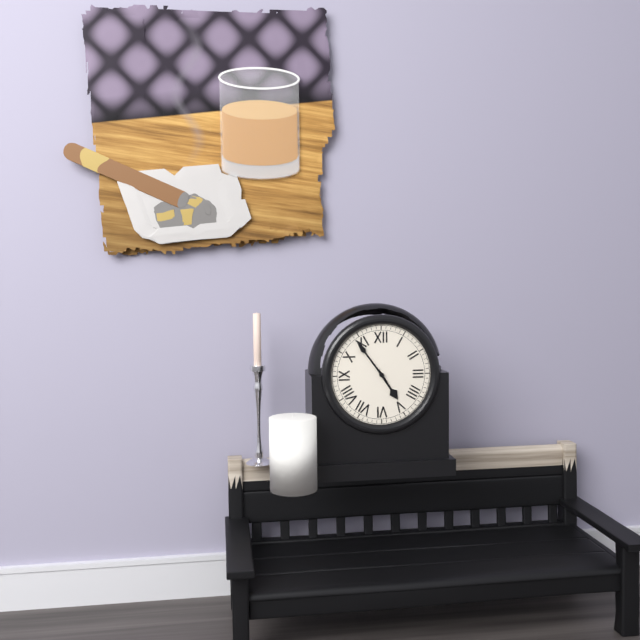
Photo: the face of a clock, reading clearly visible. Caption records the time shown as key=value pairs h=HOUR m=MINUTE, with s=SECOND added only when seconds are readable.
h=4 m=54
